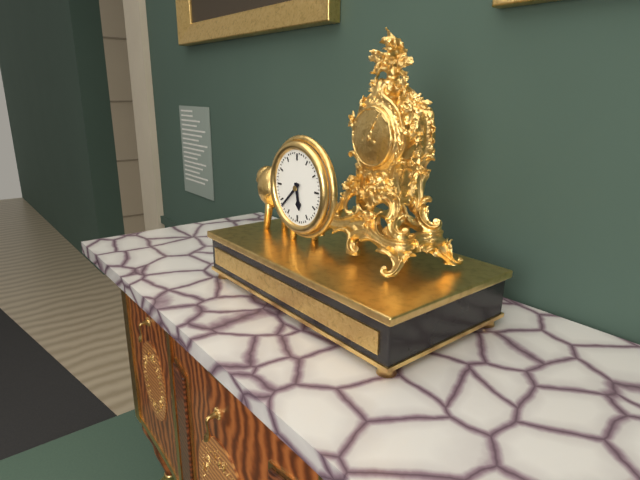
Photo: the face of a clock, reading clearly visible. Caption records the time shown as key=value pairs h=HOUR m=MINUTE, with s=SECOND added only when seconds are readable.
h=5 m=38
